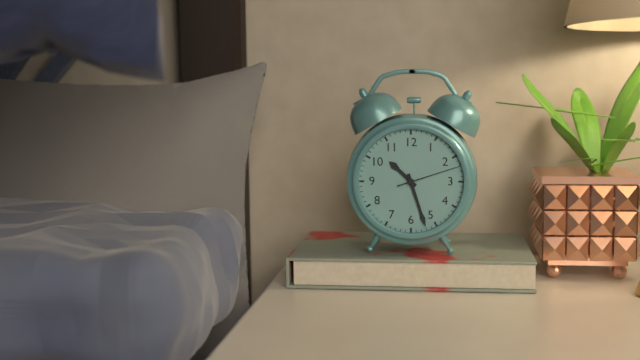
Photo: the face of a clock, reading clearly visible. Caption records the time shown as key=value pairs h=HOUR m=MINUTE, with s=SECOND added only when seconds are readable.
h=10 m=27 s=12
